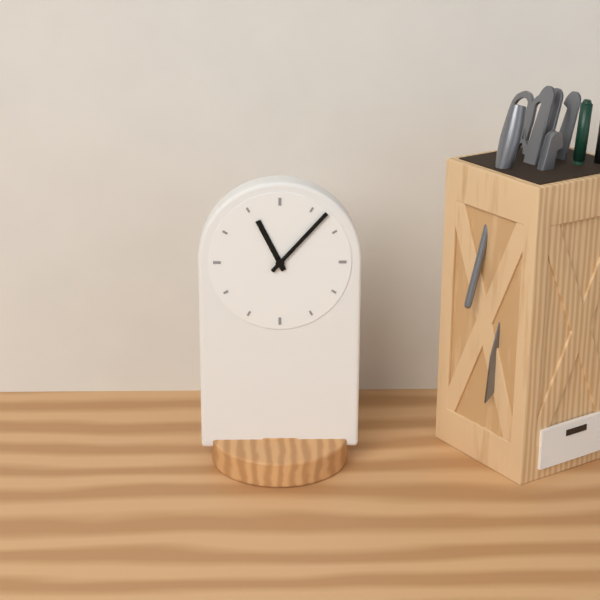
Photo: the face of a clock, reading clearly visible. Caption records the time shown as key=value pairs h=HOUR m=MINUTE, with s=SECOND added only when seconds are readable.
h=11 m=7
